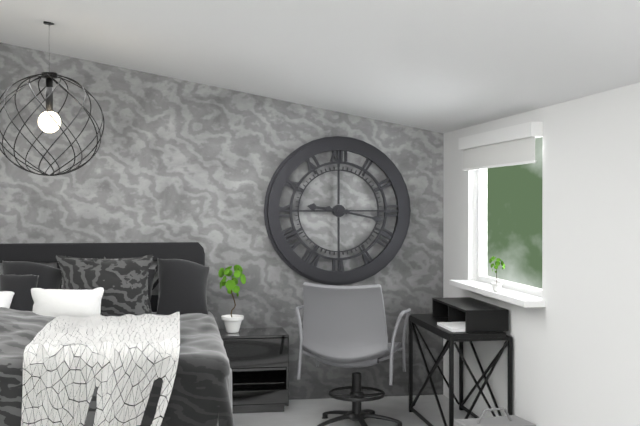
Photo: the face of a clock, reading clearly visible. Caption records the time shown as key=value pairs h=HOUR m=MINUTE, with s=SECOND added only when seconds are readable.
h=9 m=17
